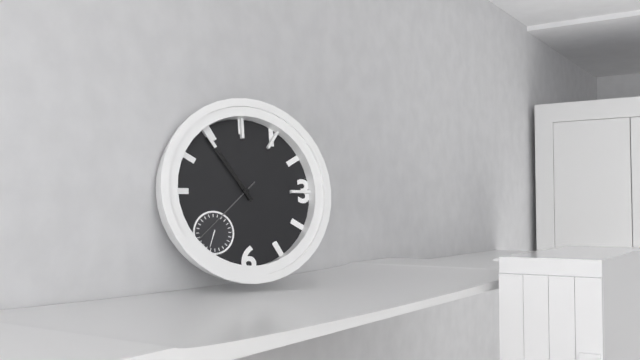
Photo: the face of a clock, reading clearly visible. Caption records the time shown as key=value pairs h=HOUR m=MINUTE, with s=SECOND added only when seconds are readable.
h=10 m=54 s=38
